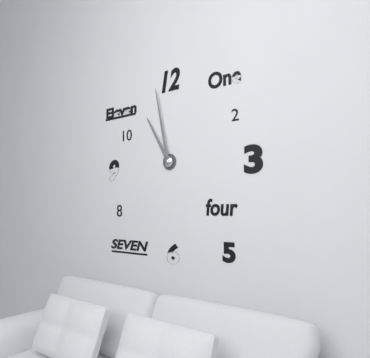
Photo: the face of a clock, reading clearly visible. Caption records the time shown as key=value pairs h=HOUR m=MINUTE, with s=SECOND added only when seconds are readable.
h=10 m=58
